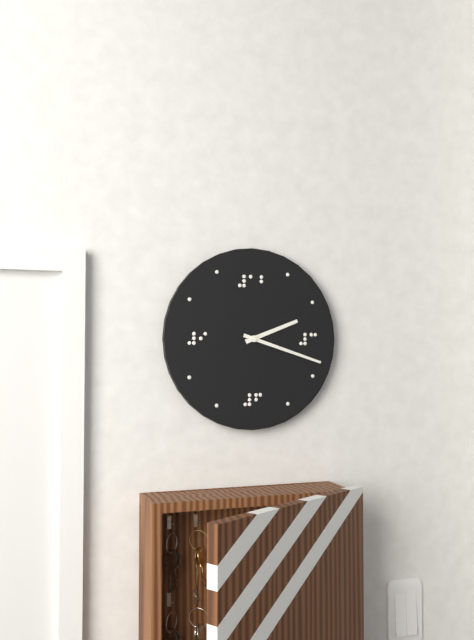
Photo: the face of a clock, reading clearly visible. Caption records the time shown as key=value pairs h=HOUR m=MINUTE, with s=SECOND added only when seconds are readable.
h=2 m=18
